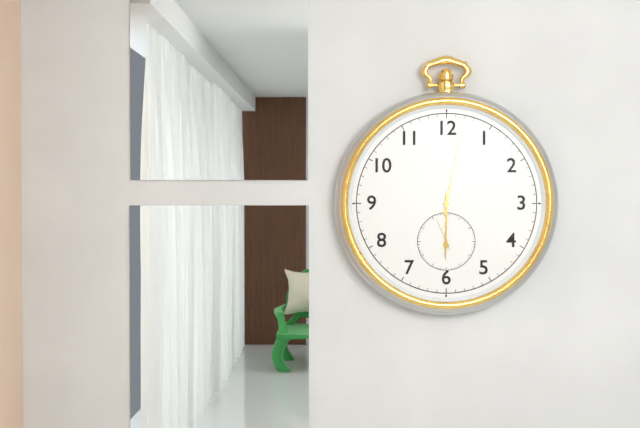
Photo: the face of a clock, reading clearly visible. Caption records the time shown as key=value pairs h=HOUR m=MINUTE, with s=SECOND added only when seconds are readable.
h=6 m=2
